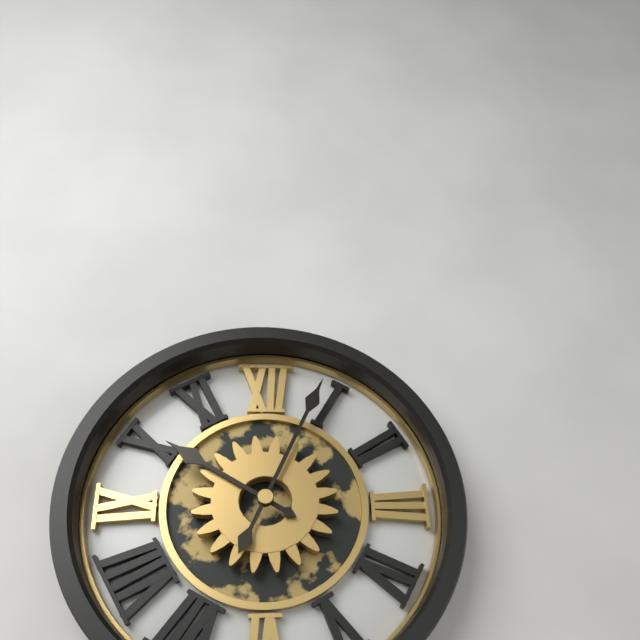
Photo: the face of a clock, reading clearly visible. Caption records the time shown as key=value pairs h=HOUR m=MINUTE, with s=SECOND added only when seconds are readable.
h=10 m=4
